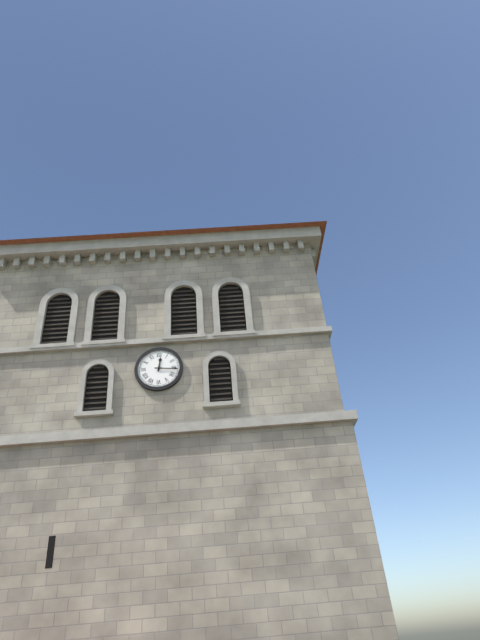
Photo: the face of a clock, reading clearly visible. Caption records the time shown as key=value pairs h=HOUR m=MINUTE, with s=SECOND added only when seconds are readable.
h=12 m=16
